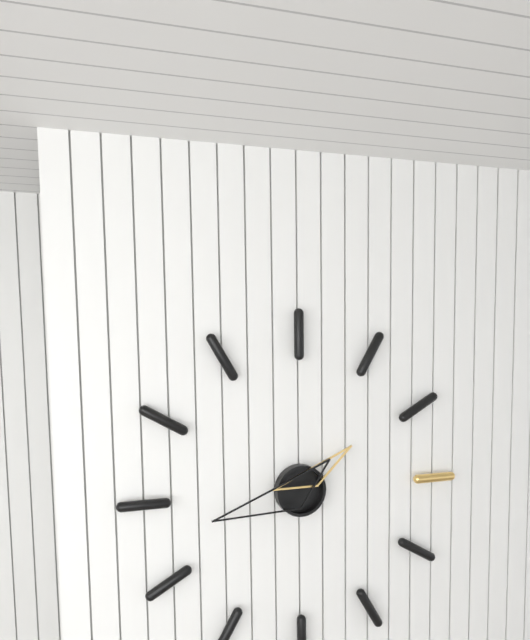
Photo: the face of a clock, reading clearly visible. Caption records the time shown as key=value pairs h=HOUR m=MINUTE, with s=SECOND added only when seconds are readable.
h=1 m=43
